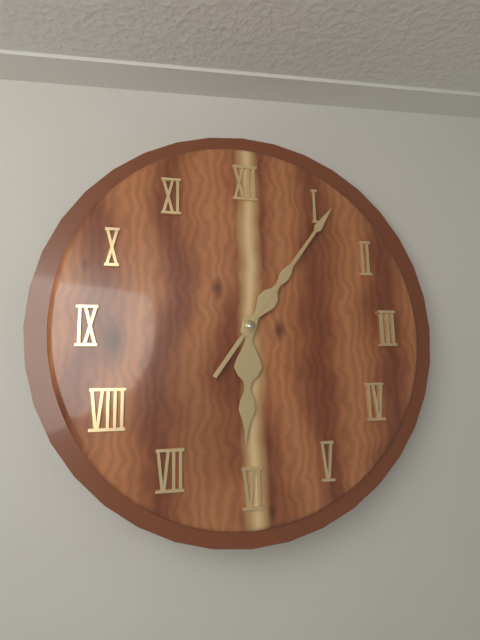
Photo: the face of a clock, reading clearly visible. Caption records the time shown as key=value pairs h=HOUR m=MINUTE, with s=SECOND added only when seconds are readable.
h=6 m=6 s=6
